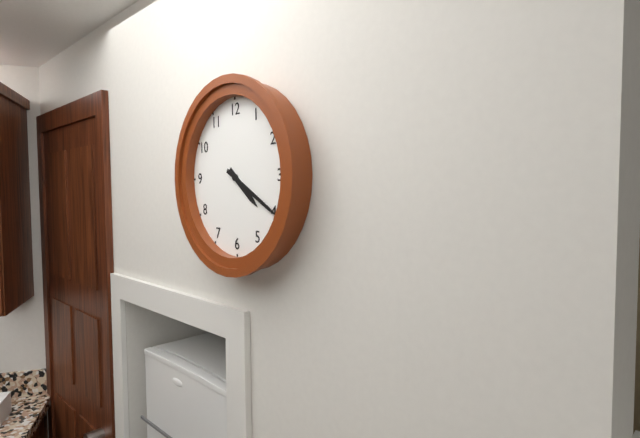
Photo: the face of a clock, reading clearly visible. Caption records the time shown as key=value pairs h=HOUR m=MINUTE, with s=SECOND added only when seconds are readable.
h=4 m=20
